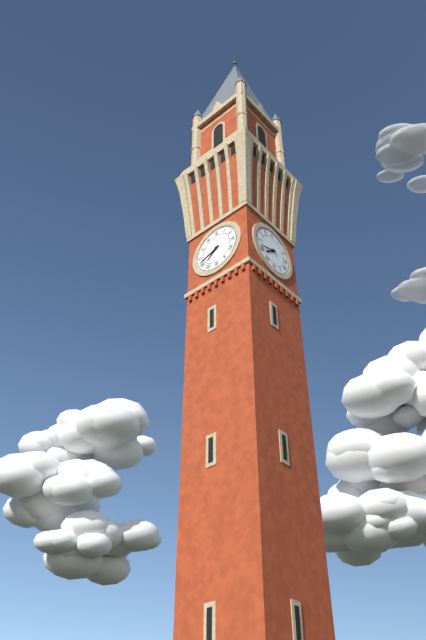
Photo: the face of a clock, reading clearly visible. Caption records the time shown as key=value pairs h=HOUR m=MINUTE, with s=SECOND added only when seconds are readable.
h=7 m=42
